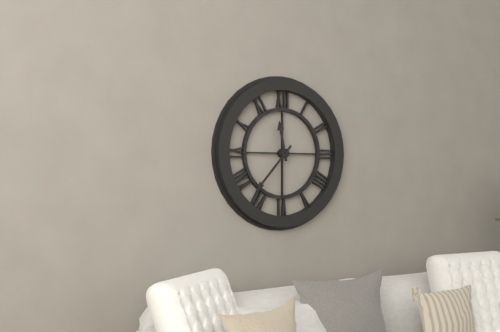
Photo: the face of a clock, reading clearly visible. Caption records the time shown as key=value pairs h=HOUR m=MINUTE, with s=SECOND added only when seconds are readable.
h=11 m=37
